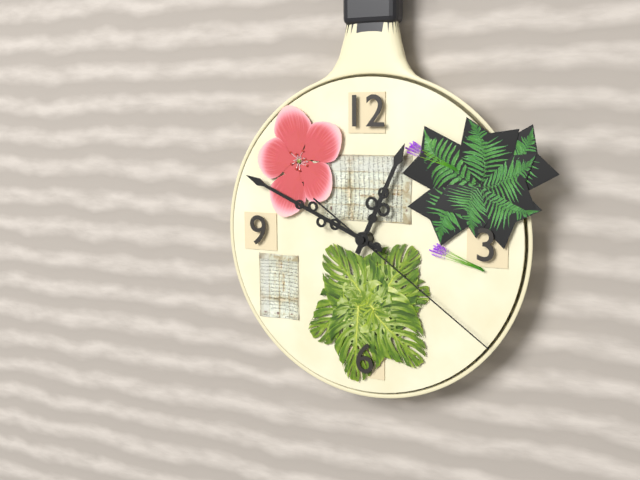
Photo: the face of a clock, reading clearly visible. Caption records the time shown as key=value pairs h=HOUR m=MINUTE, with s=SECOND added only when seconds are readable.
h=12 m=49 s=21
